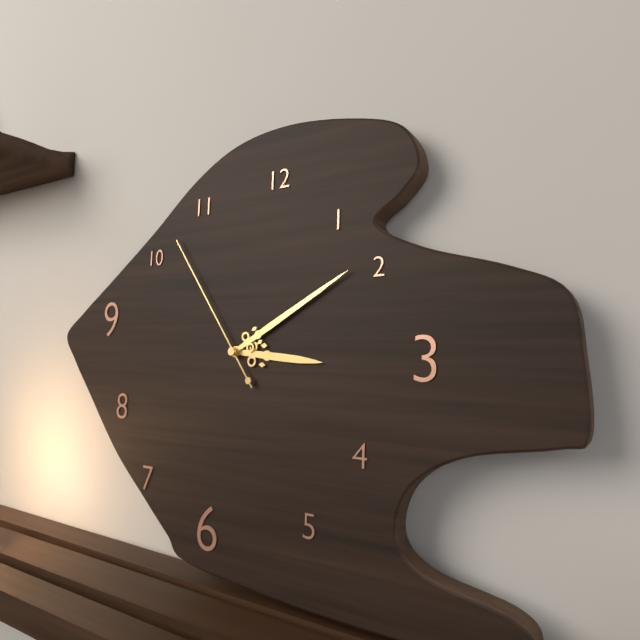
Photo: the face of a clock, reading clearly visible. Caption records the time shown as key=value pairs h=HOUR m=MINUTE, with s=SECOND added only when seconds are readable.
h=3 m=10 s=54
